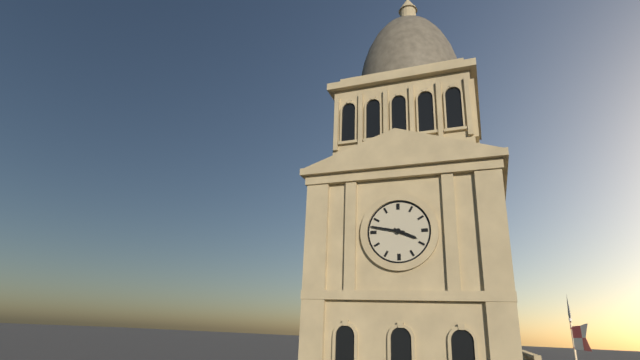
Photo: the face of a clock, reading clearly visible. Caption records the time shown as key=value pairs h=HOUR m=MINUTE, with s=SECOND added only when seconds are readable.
h=3 m=47
